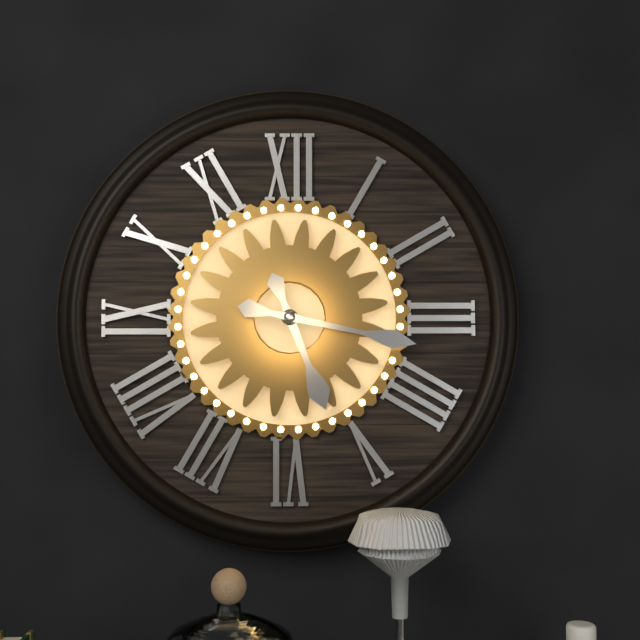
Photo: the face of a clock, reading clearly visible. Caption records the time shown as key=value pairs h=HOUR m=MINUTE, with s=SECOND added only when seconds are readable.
h=5 m=17
